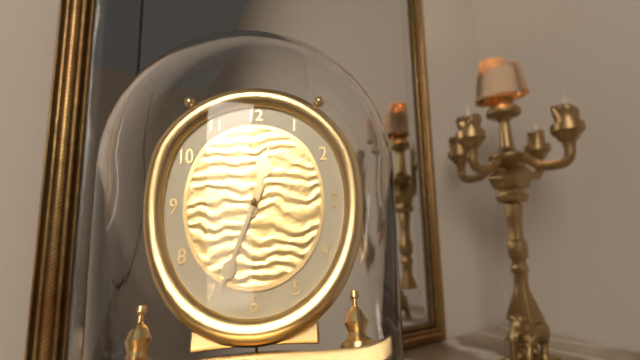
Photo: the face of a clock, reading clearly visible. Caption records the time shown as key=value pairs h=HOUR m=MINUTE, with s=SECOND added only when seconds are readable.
h=12 m=34
